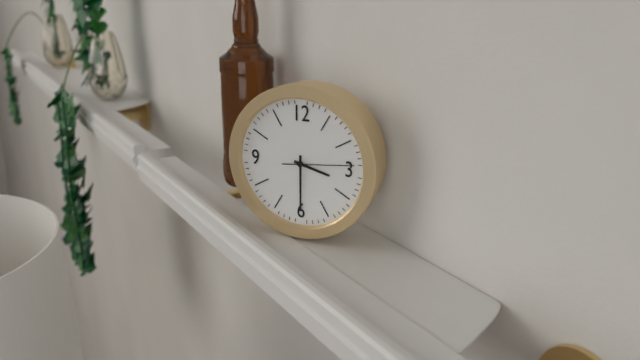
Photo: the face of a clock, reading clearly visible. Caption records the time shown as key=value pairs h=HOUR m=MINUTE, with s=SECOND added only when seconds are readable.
h=3 m=30 s=14
